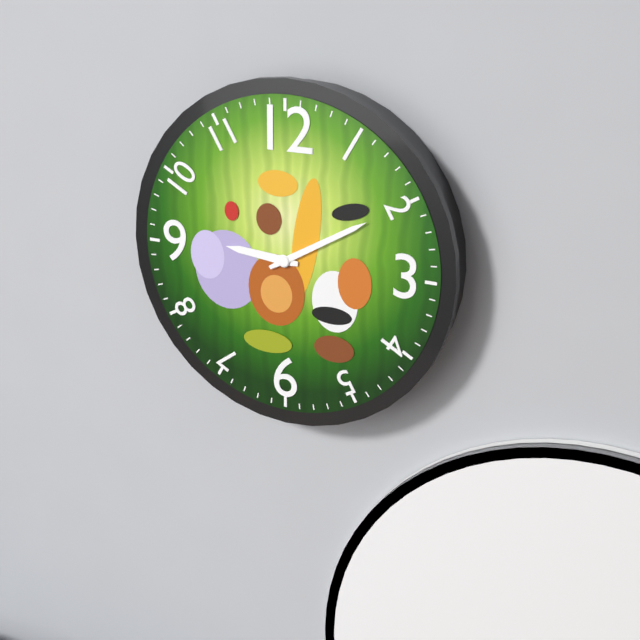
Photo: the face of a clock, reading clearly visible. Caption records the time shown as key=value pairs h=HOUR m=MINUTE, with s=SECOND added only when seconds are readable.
h=9 m=10
